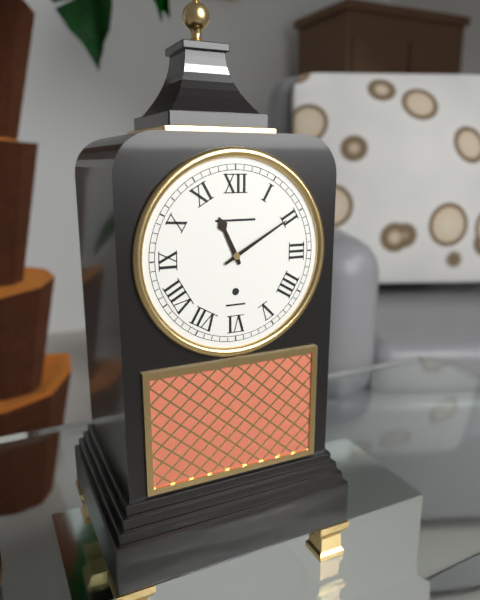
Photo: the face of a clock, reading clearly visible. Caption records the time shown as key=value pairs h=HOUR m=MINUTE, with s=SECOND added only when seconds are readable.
h=11 m=10
